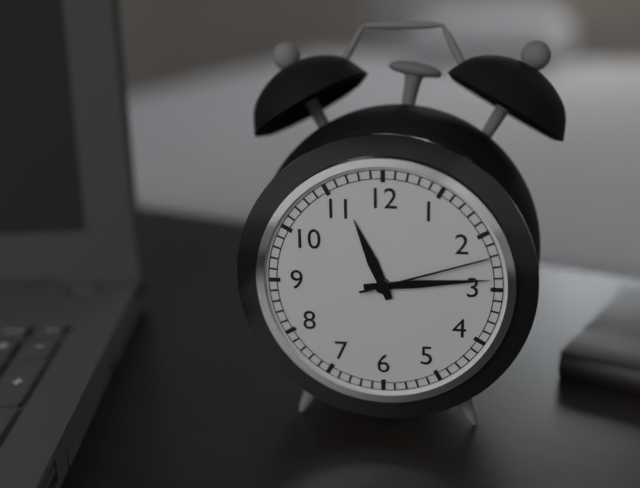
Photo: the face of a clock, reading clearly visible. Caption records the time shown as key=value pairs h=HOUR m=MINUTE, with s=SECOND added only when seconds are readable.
h=11 m=14 s=12
